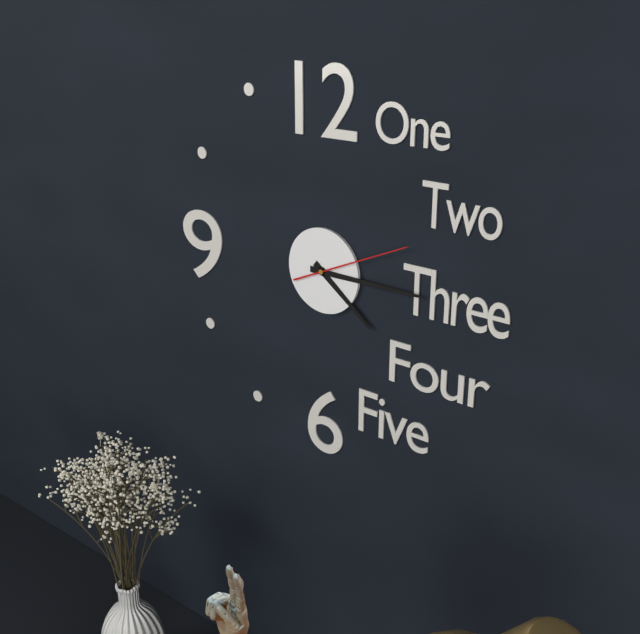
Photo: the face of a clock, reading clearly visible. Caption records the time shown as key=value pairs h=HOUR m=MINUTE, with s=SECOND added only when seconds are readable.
h=4 m=15 s=11
